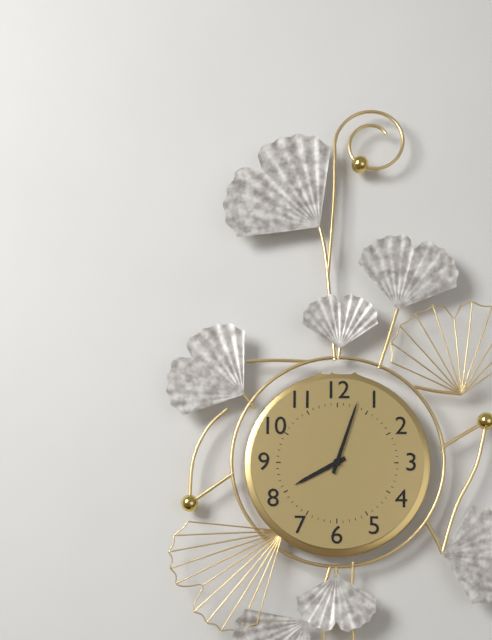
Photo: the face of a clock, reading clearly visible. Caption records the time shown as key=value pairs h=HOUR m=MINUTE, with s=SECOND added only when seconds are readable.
h=8 m=3
